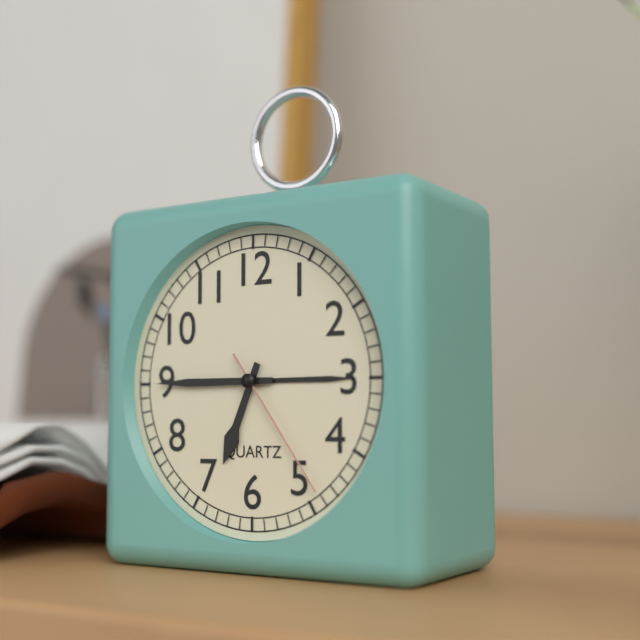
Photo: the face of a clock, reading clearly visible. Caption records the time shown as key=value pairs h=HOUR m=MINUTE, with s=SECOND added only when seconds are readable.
h=6 m=45 s=24
